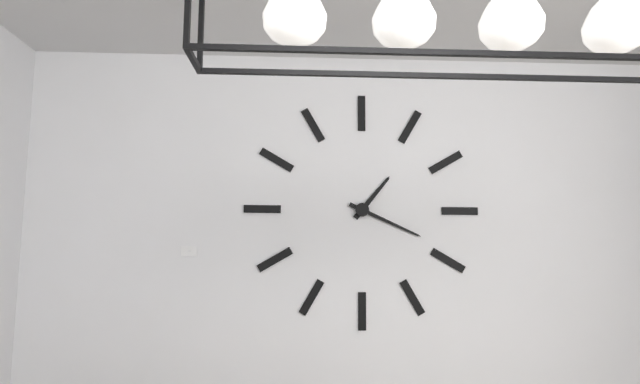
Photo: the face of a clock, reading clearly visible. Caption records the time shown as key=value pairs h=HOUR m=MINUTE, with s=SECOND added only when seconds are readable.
h=1 m=19
